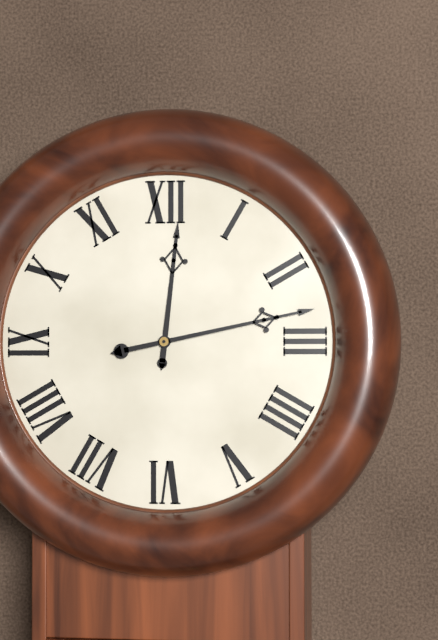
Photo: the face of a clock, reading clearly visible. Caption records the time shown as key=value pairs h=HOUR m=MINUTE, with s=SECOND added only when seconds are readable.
h=12 m=13
